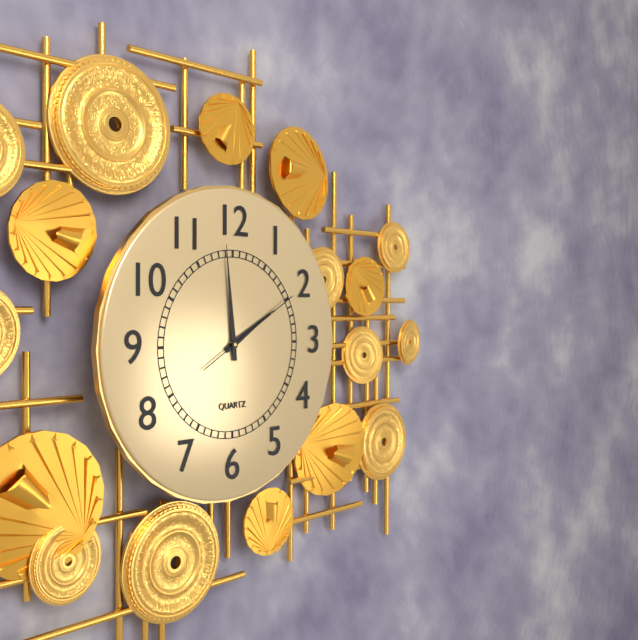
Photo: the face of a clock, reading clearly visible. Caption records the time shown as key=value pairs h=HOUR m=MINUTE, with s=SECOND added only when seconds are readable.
h=1 m=59 s=10
